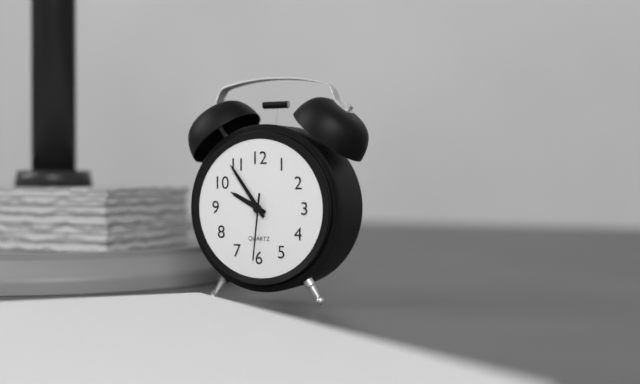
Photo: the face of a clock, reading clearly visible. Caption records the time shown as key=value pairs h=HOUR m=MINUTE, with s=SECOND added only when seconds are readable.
h=9 m=54 s=31
